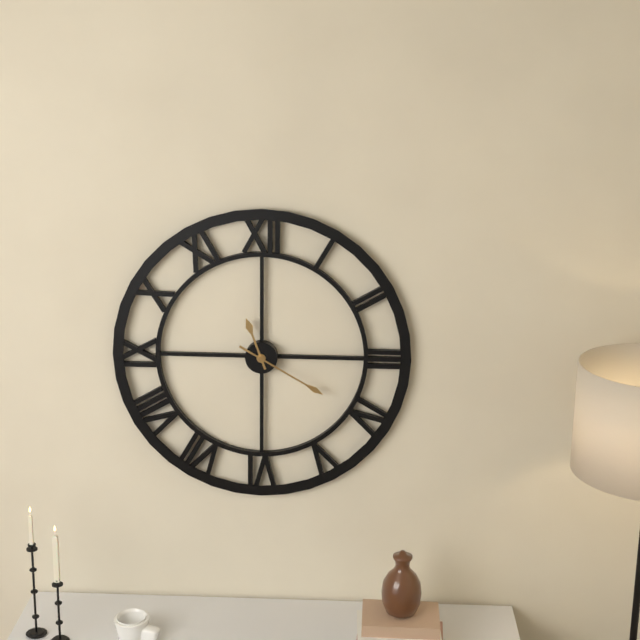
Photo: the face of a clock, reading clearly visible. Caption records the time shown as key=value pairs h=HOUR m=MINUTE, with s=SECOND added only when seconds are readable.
h=11 m=20
